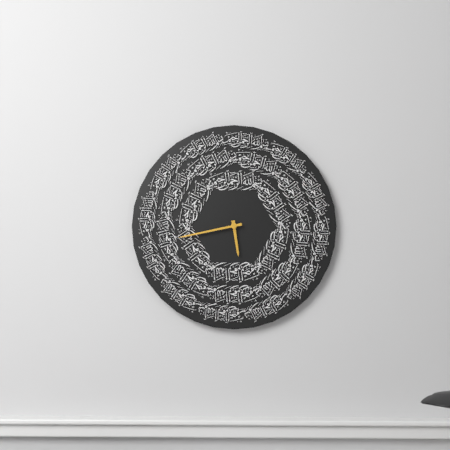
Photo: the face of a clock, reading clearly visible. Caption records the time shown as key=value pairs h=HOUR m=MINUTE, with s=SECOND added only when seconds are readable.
h=5 m=43
